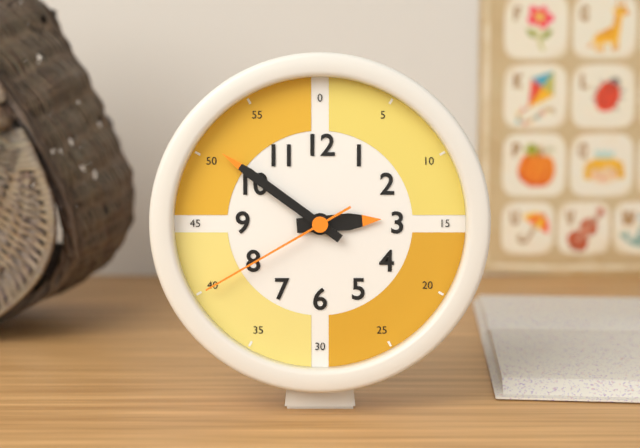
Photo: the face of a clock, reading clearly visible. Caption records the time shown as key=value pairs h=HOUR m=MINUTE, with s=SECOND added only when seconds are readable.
h=2 m=51 s=40
